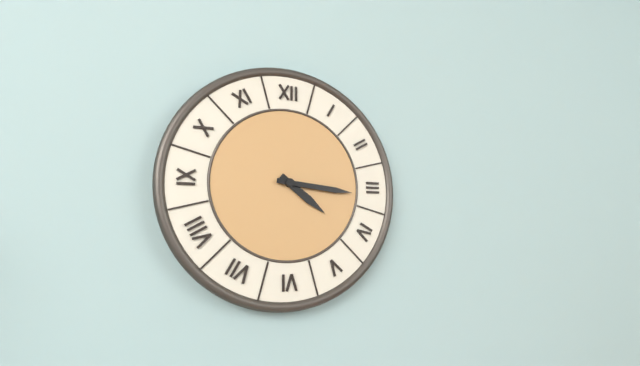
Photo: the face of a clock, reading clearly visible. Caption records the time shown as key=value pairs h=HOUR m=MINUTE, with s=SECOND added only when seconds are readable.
h=4 m=16
